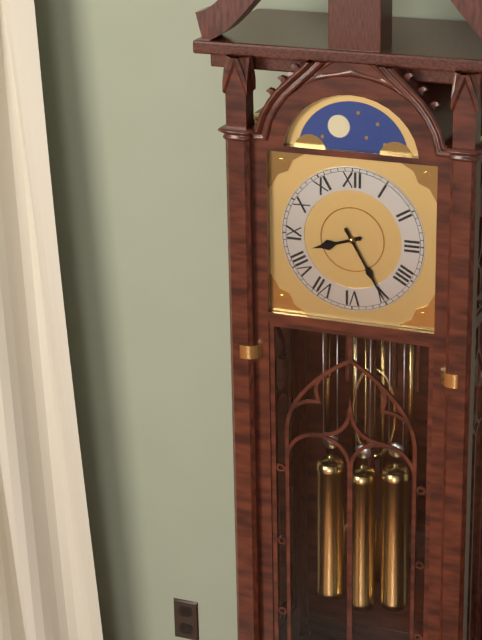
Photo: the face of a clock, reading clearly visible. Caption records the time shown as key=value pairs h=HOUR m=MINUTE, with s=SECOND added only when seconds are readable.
h=8 m=25
